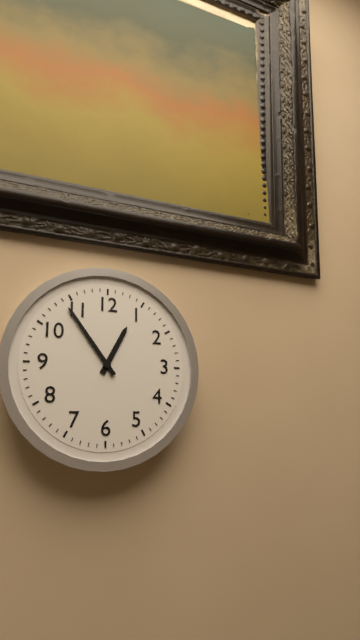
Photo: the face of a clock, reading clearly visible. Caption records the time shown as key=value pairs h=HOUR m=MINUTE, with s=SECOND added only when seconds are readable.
h=12 m=54
